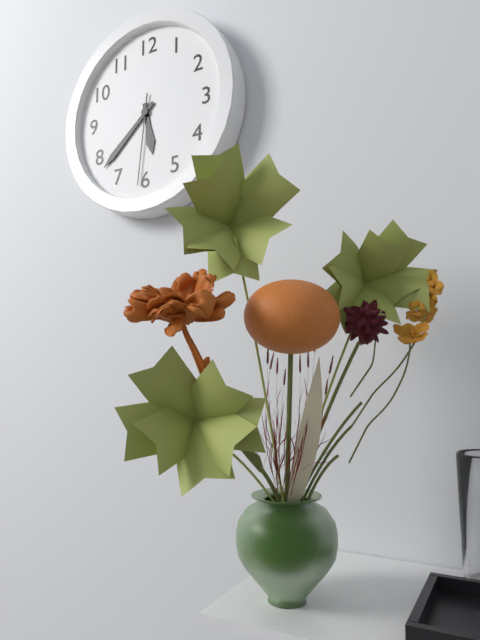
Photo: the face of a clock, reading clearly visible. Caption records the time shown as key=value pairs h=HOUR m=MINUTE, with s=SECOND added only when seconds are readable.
h=5 m=38 s=31
